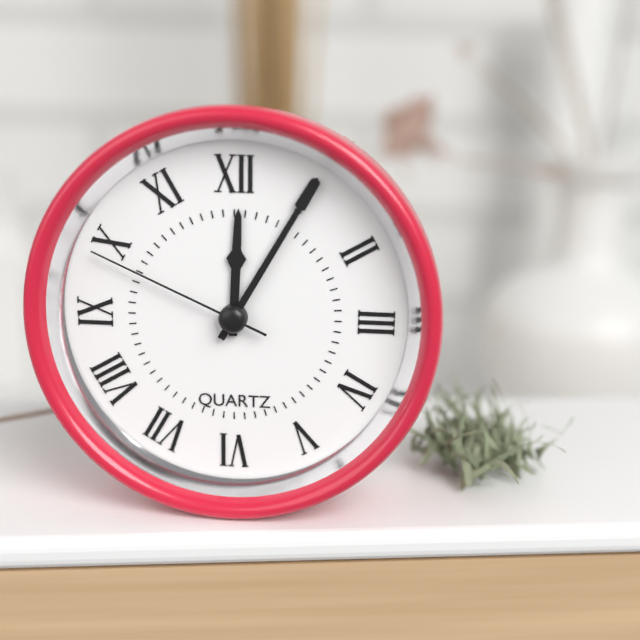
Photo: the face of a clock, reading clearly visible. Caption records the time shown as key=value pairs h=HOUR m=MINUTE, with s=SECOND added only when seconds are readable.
h=12 m=5 s=49
